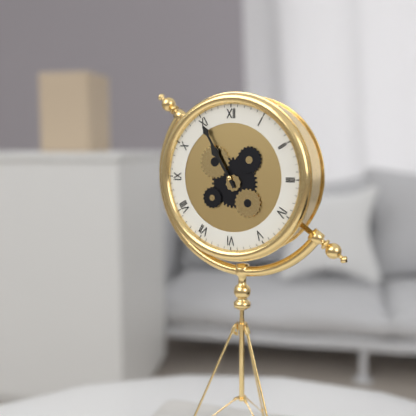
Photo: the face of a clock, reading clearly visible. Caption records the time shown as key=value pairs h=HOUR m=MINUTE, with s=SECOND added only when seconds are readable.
h=10 m=55
